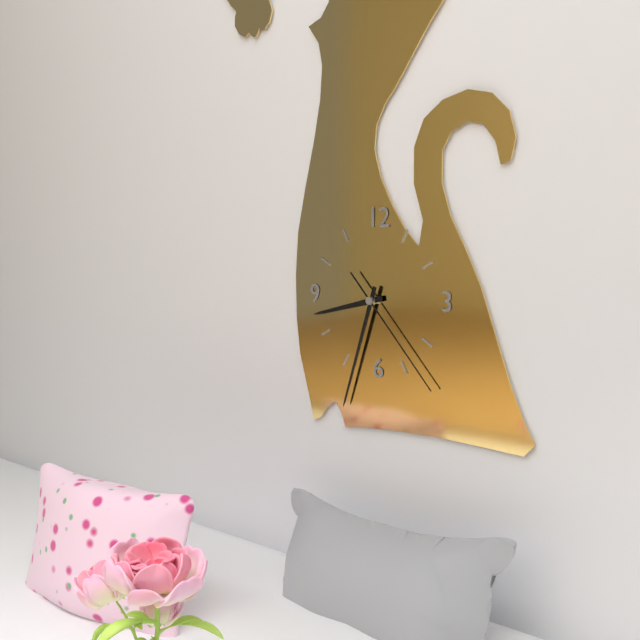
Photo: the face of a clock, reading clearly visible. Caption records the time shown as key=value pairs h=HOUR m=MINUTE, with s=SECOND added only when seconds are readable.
h=8 m=33 s=23
